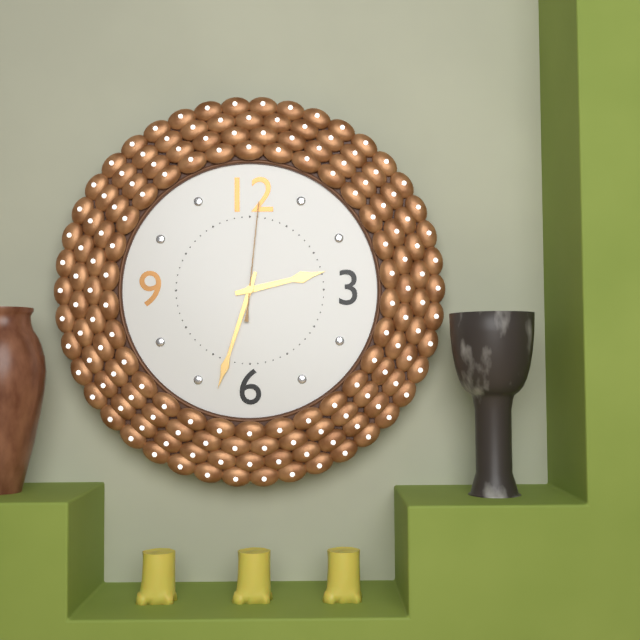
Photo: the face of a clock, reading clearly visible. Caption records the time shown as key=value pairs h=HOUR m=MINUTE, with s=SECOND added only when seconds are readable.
h=2 m=33 s=1
